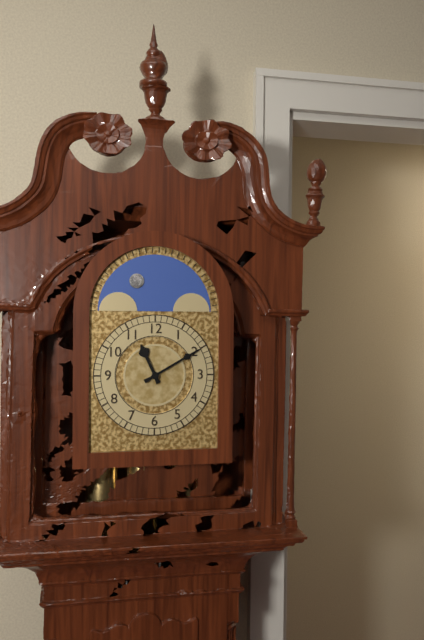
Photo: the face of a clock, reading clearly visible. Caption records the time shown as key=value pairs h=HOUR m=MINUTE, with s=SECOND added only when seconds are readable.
h=11 m=10
